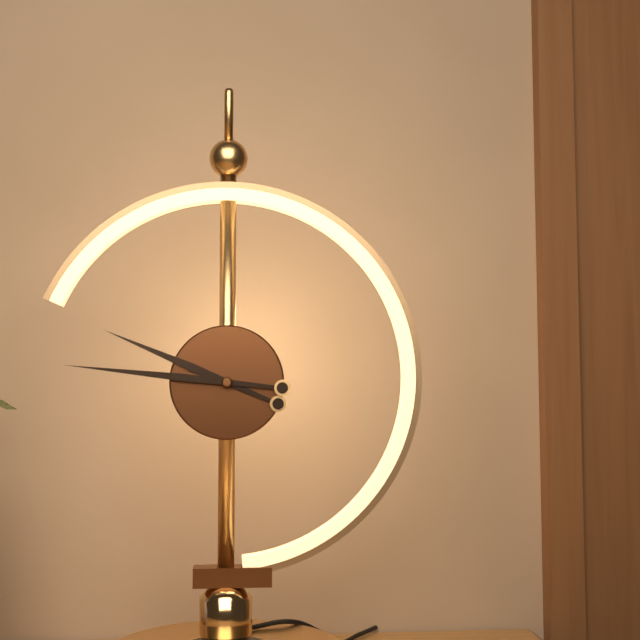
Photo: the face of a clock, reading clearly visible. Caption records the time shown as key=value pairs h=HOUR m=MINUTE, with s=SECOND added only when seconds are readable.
h=9 m=46
